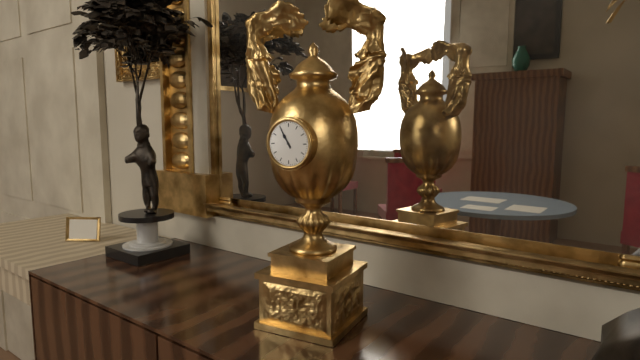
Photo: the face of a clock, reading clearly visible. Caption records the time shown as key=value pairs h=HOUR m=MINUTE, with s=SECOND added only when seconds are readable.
h=10 m=55
